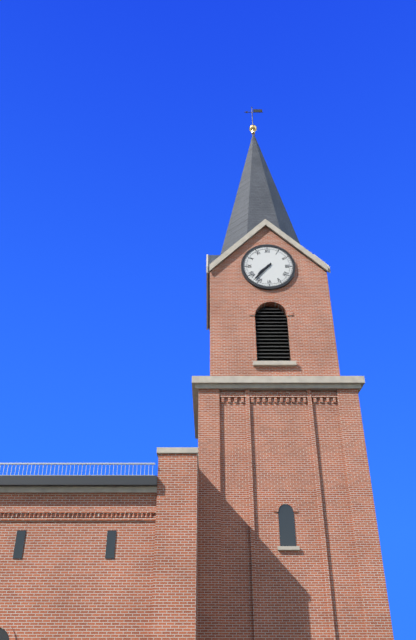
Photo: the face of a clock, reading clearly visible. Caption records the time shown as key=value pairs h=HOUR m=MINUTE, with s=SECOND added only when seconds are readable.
h=7 m=37
